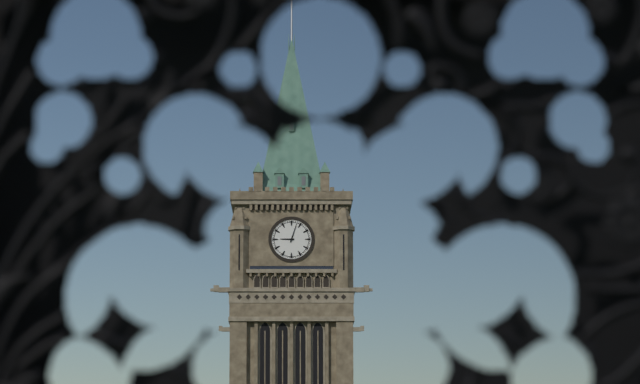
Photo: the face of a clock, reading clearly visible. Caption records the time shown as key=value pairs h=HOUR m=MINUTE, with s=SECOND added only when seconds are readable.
h=9 m=3
